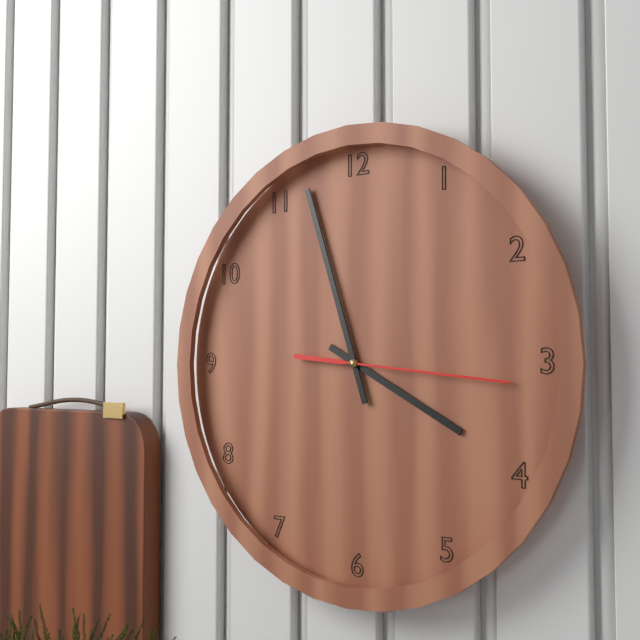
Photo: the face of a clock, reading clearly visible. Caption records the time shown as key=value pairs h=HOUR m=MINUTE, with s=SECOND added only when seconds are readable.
h=3 m=57 s=16
